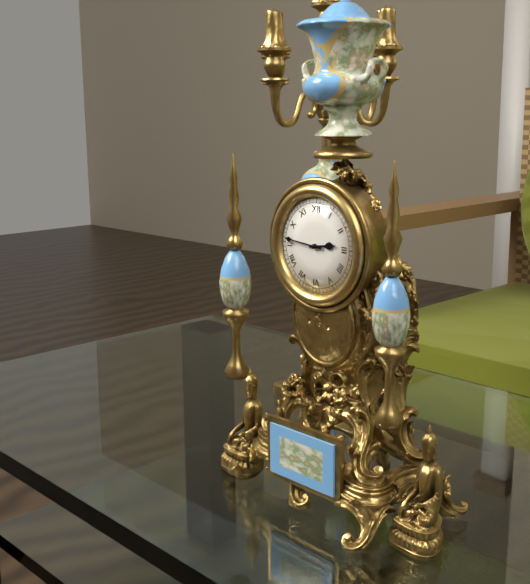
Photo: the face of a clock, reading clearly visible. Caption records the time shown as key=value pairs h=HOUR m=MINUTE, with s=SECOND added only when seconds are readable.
h=2 m=46
